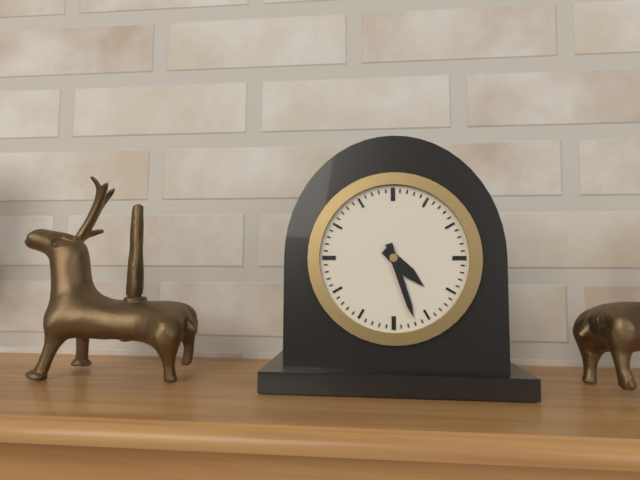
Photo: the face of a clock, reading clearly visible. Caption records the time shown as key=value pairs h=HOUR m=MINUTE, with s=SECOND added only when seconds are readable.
h=4 m=27
